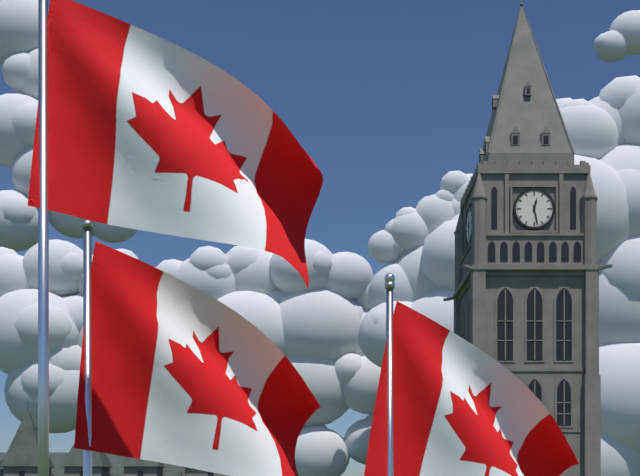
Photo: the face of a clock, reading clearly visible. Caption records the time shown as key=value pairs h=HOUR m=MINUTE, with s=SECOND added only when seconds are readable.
h=12 m=28
